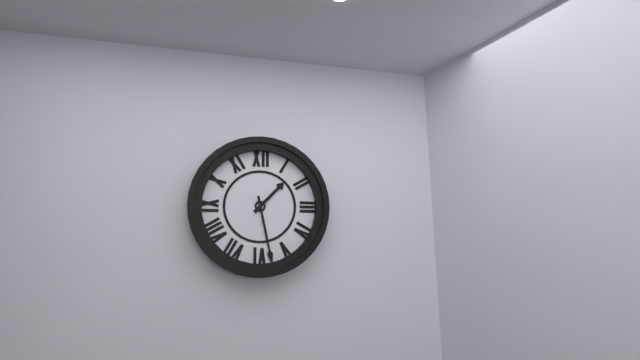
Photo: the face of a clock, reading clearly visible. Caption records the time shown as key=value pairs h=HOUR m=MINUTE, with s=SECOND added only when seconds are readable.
h=1 m=28
